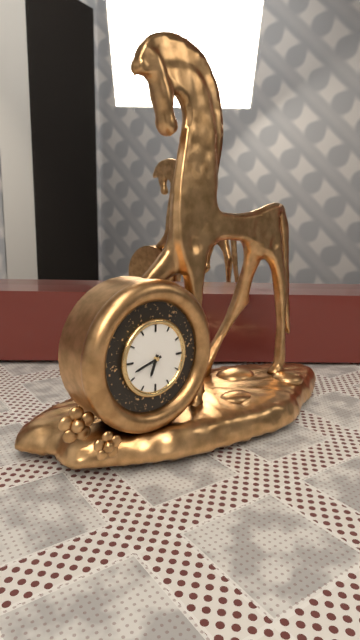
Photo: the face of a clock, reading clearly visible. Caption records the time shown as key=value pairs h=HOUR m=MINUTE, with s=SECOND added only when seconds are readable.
h=6 m=42
